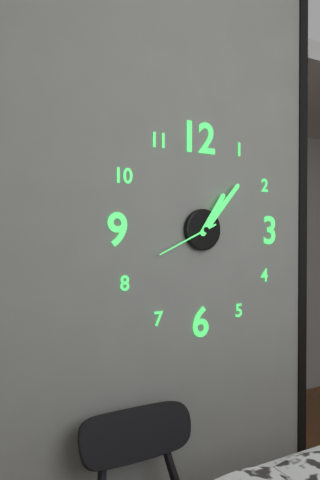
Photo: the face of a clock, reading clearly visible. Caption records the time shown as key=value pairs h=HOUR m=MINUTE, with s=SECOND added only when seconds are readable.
h=1 m=7 s=41
